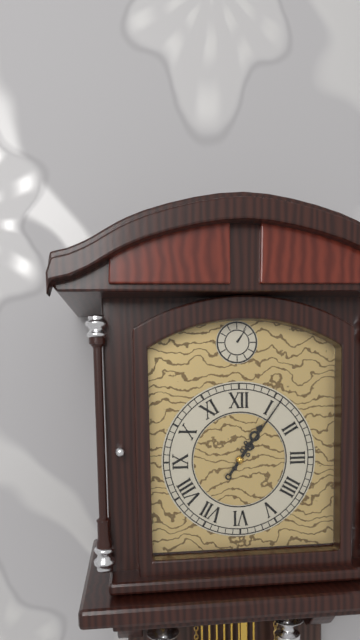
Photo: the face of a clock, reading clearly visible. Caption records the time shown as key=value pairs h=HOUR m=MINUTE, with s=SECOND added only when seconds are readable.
h=1 m=6
